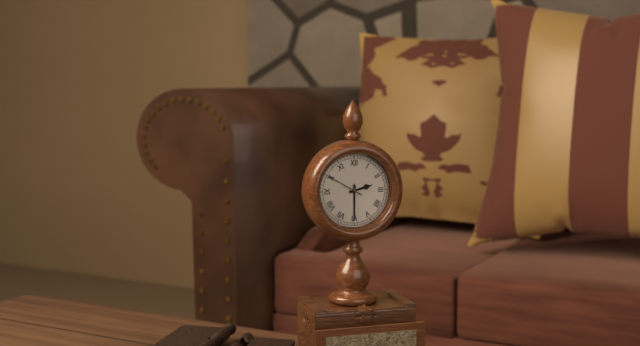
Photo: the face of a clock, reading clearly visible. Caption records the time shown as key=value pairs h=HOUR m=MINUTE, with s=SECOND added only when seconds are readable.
h=2 m=30
